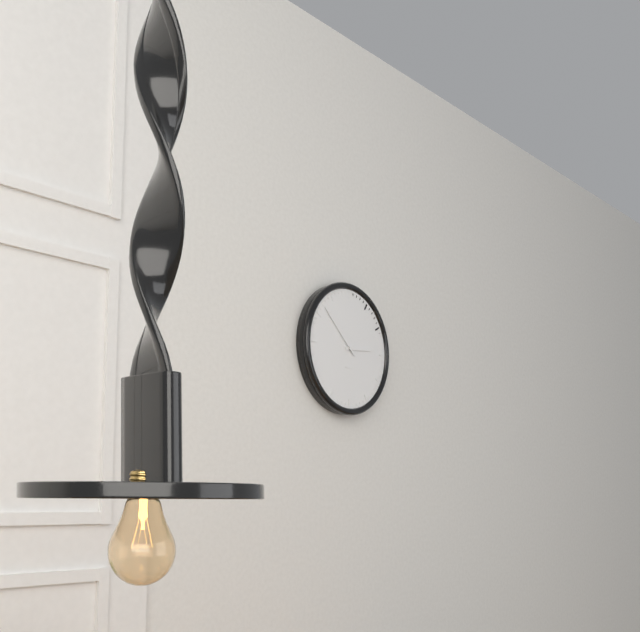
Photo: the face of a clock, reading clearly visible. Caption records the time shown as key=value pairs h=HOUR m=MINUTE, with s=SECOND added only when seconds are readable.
h=2 m=52
